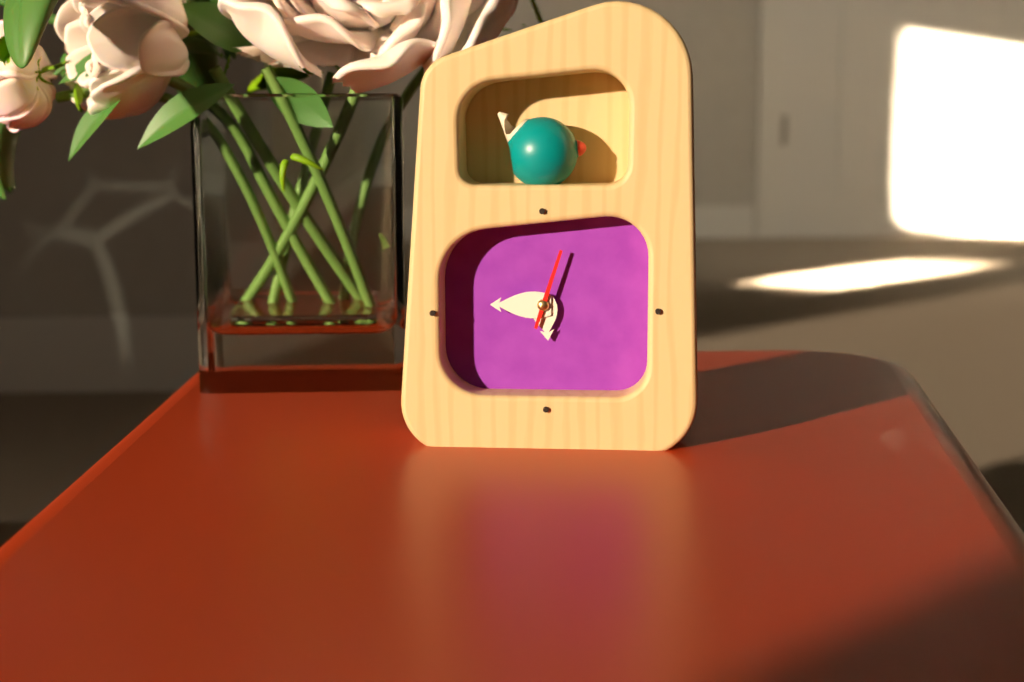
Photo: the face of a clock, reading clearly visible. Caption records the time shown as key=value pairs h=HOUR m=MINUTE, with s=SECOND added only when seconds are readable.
h=5 m=45 s=3
